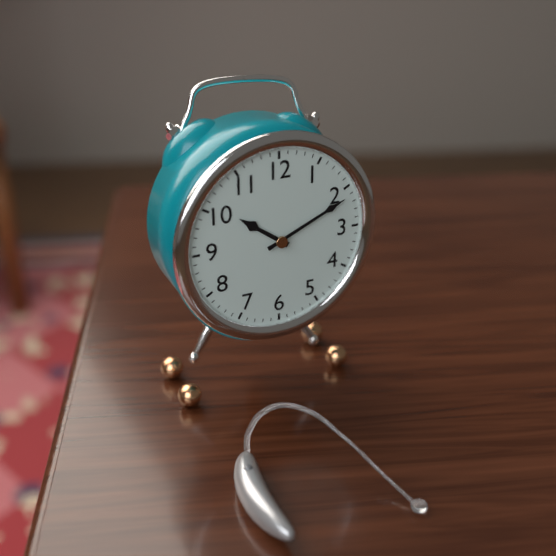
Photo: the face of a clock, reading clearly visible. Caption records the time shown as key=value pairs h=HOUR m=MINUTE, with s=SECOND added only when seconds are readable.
h=10 m=11
